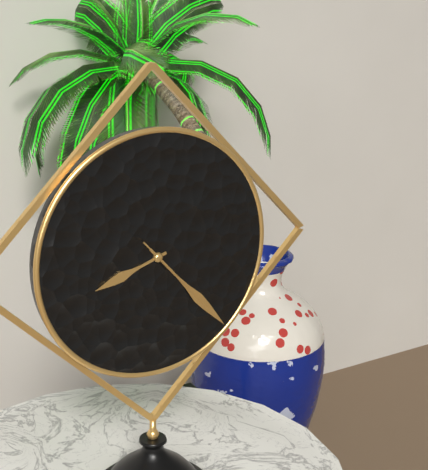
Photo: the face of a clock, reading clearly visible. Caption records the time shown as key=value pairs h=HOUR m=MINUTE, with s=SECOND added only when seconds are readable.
h=8 m=23 s=23
